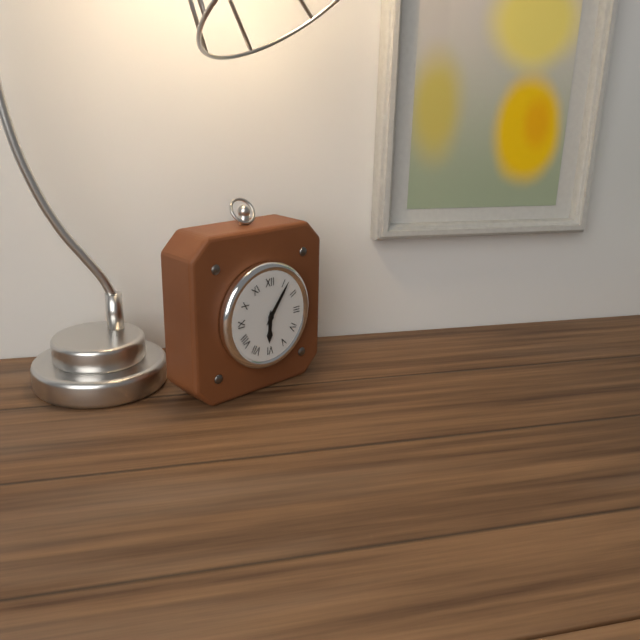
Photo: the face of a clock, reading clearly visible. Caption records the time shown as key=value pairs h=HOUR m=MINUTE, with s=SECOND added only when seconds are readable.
h=6 m=6
